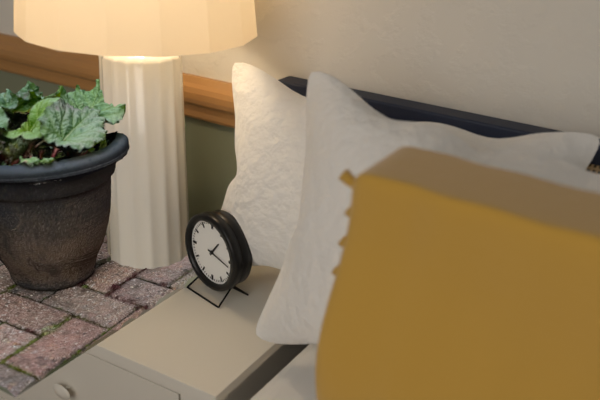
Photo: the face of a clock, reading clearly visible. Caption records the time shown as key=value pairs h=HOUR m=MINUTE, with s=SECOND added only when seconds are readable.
h=1 m=17
